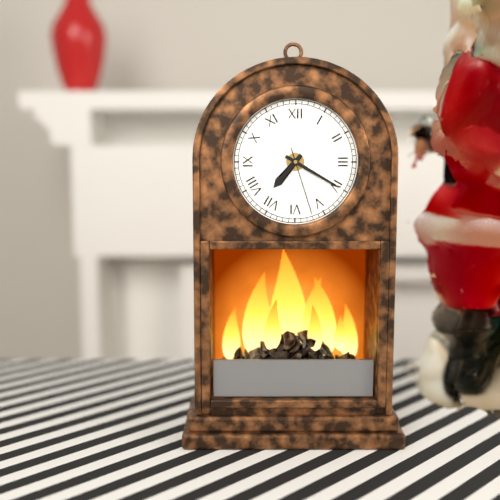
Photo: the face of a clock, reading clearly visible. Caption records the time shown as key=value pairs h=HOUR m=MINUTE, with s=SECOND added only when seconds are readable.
h=7 m=20 s=27
